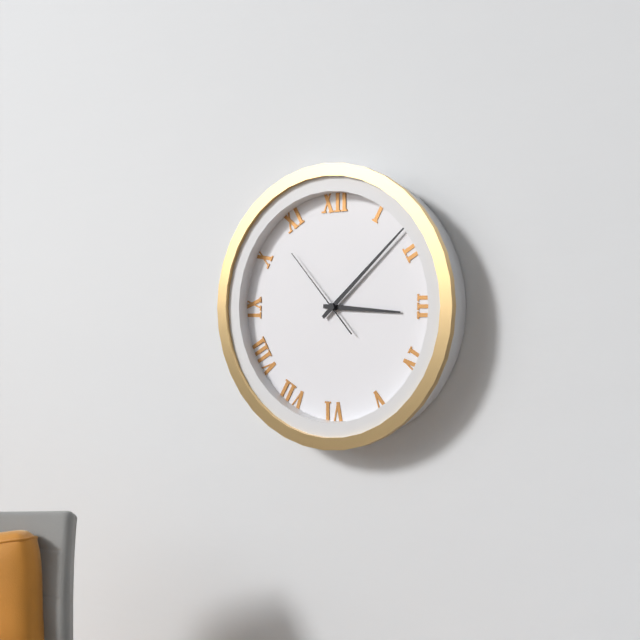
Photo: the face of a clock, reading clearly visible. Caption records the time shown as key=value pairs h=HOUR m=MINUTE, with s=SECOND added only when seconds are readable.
h=3 m=8 s=53
